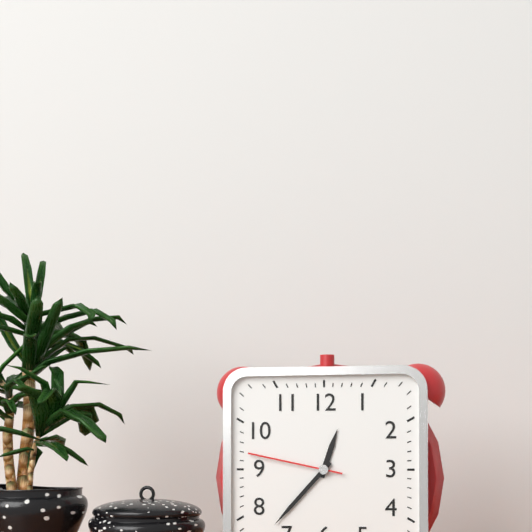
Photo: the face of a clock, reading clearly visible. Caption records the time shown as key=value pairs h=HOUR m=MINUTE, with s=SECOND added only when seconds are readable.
h=12 m=37 s=47
